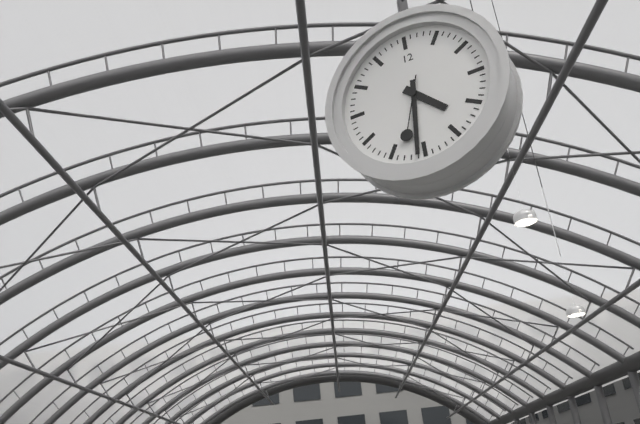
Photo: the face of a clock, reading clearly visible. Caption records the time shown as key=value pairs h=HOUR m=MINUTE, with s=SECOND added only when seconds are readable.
h=4 m=31 s=33
